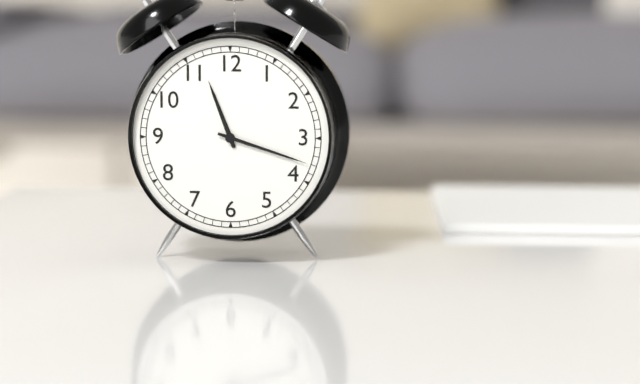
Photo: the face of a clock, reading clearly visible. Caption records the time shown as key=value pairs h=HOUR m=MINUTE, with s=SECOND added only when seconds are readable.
h=11 m=18
